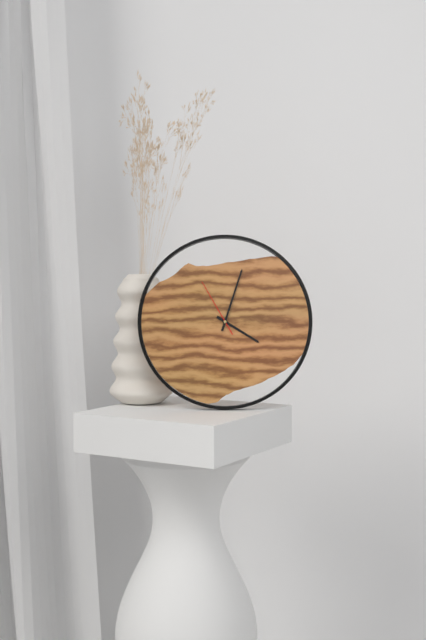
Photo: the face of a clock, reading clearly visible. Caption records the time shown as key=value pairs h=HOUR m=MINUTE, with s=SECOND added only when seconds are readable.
h=4 m=3 s=55
